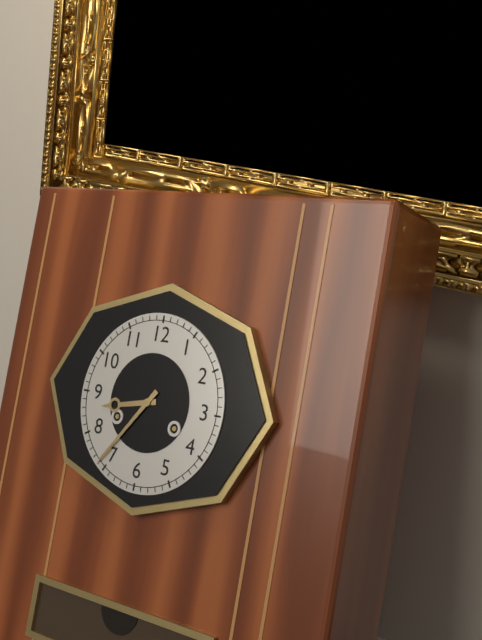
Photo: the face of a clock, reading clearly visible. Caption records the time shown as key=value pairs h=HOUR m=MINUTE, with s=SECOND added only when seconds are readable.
h=8 m=36
